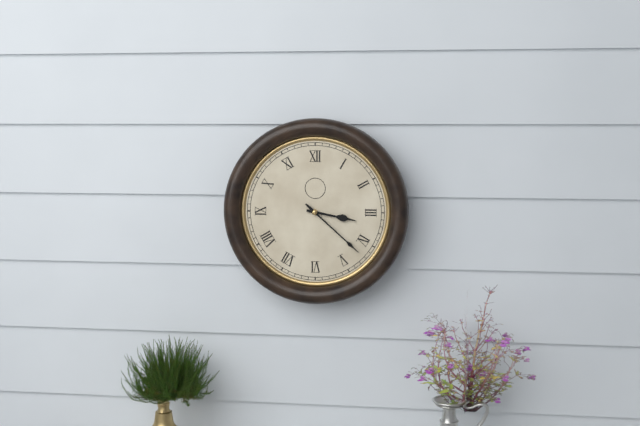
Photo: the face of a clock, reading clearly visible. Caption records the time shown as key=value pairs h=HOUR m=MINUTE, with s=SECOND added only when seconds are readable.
h=3 m=22
